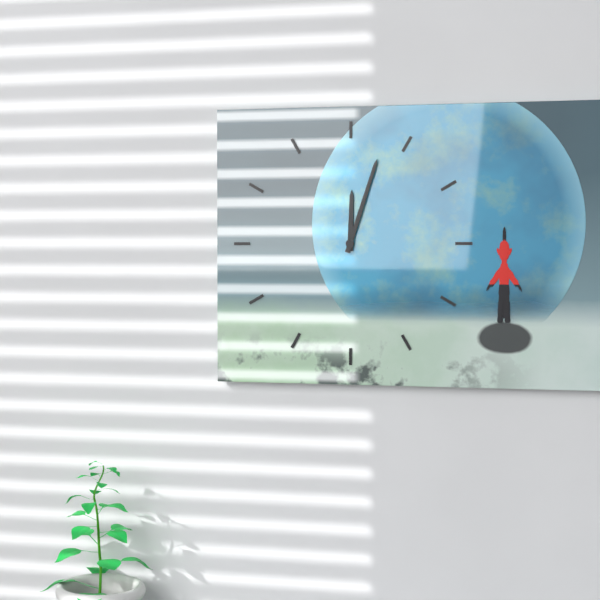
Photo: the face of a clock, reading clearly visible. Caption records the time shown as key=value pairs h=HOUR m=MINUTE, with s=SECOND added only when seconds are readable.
h=12 m=3
